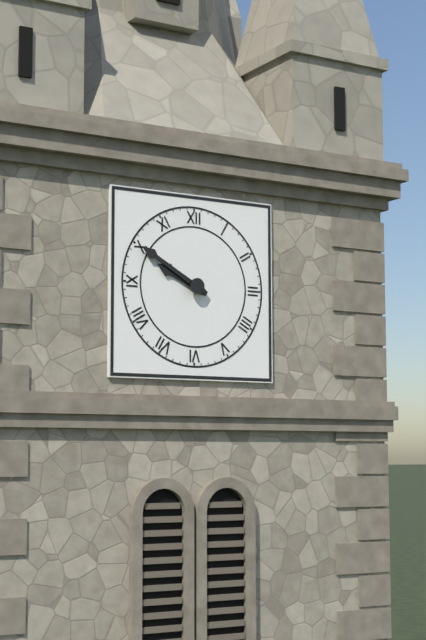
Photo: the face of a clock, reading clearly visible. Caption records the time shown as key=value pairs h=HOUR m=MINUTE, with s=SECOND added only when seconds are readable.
h=9 m=50
